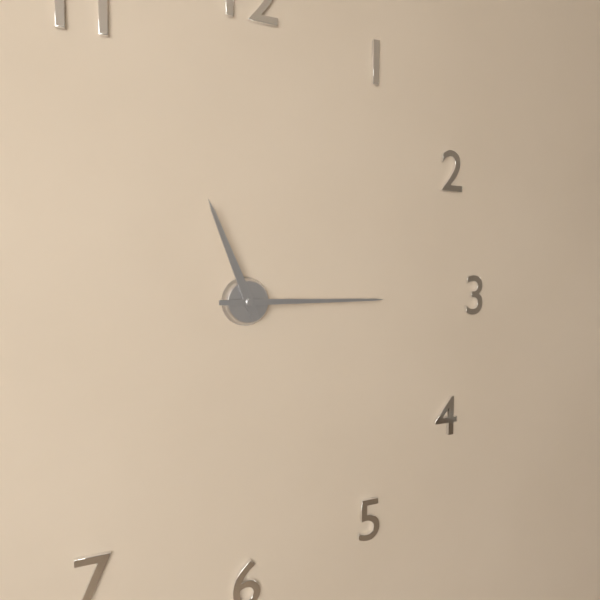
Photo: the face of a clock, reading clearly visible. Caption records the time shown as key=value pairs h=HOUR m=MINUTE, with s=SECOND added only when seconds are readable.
h=11 m=15
